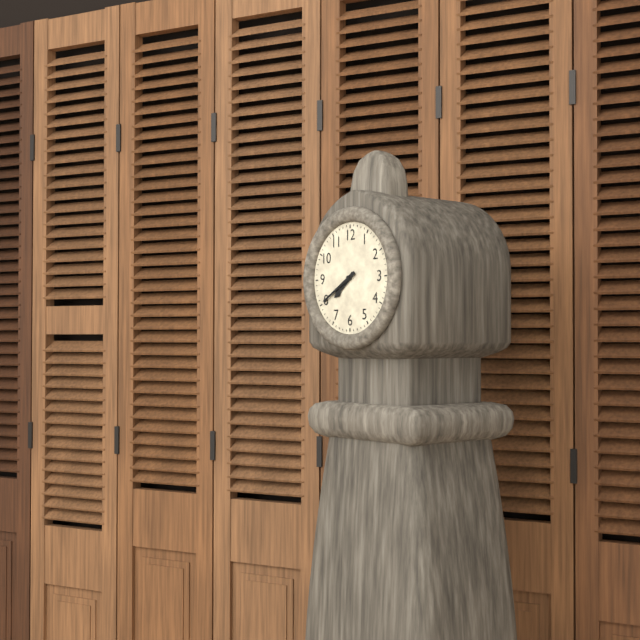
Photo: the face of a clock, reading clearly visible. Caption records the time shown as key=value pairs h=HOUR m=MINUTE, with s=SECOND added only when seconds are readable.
h=7 m=40
